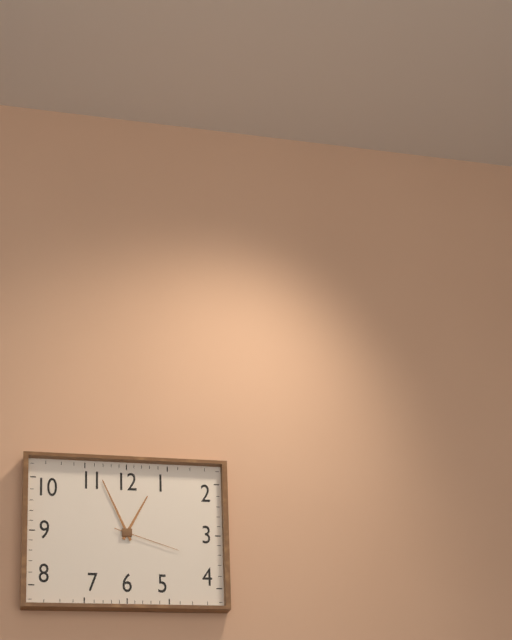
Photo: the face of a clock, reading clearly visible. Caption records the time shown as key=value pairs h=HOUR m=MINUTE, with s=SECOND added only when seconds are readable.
h=12 m=56 s=18
